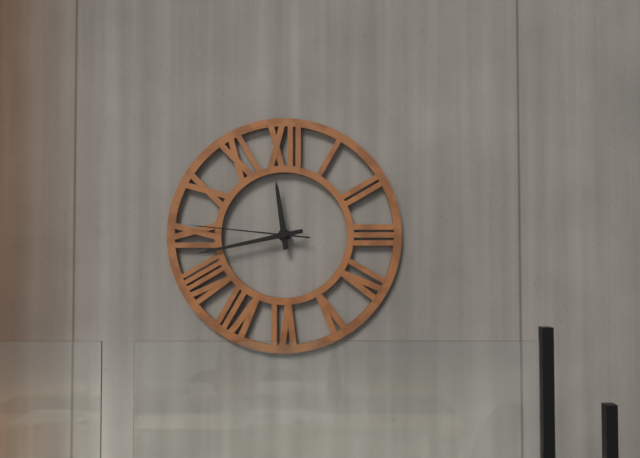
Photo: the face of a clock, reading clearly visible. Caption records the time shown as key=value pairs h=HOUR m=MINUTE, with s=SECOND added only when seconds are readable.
h=11 m=43 s=46
